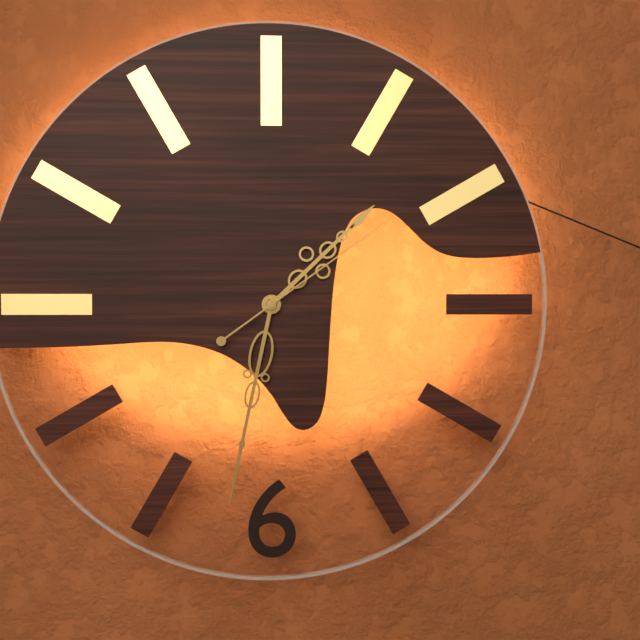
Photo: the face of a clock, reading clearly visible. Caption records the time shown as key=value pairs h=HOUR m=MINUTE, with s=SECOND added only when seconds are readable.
h=1 m=32 s=9
